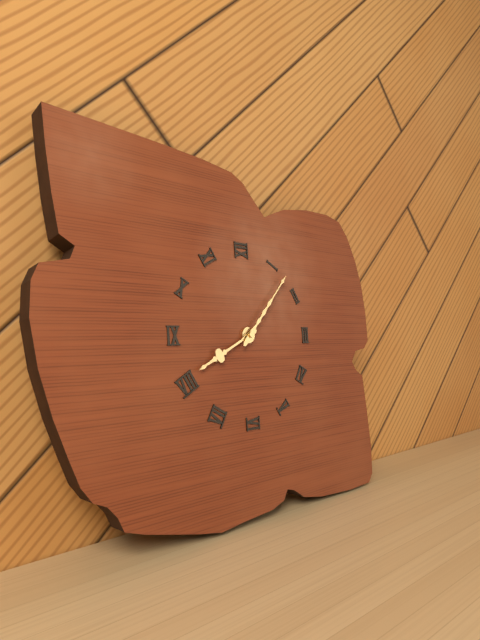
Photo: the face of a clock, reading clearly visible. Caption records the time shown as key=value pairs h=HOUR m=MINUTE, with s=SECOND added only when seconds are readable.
h=8 m=7
